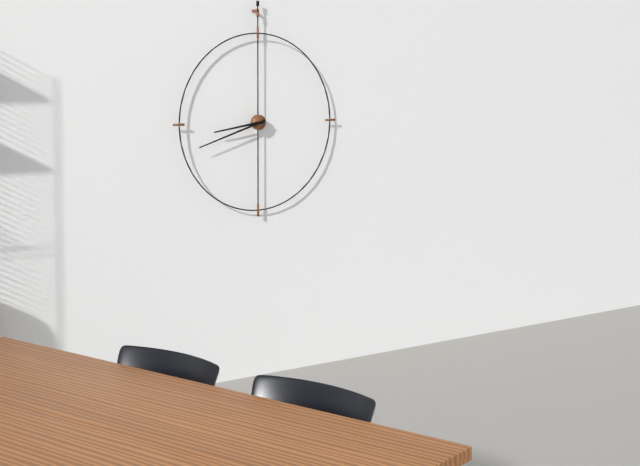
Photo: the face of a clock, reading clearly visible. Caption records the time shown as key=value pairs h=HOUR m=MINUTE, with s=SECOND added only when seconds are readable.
h=8 m=42
